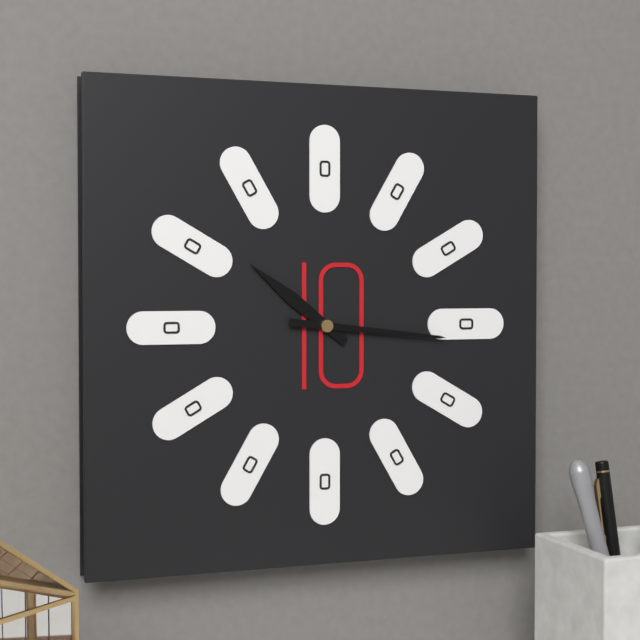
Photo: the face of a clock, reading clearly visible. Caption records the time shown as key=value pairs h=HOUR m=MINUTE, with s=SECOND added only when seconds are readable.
h=10 m=16
